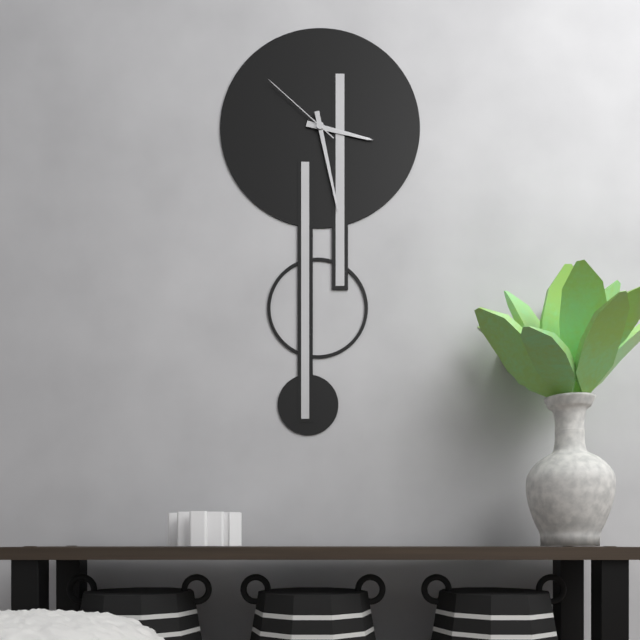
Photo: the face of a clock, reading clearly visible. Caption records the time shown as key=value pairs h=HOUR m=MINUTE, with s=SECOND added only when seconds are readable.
h=3 m=28 s=52
